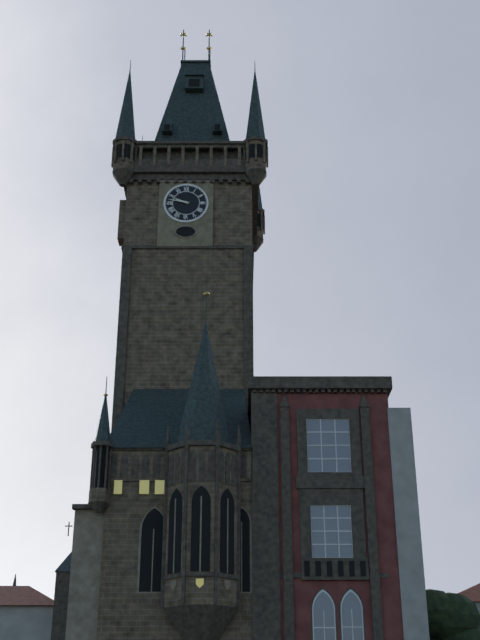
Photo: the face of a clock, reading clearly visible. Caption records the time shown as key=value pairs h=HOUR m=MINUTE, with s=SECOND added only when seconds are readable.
h=9 m=47
